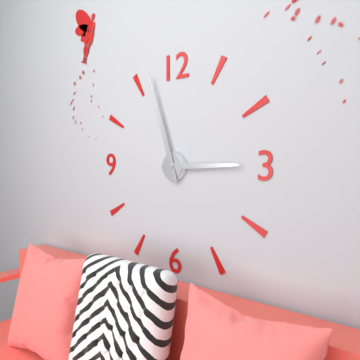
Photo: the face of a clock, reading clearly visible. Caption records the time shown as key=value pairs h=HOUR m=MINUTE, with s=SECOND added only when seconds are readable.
h=2 m=57
